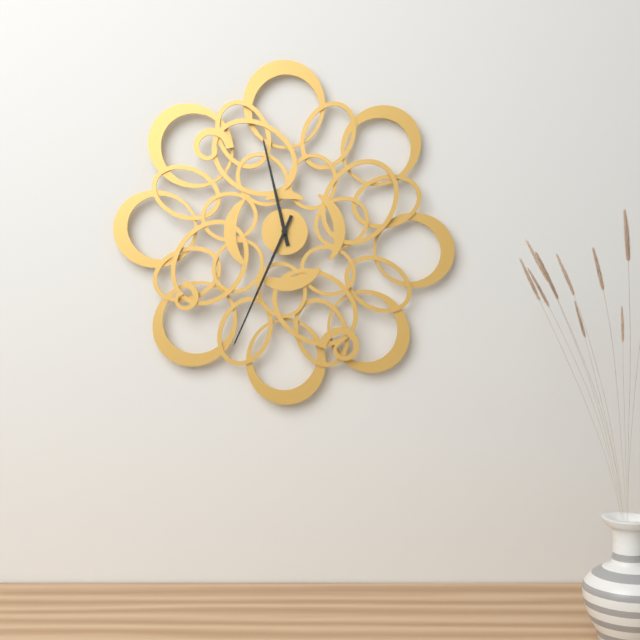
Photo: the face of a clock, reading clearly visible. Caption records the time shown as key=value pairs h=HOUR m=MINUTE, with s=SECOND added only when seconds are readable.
h=11 m=34
